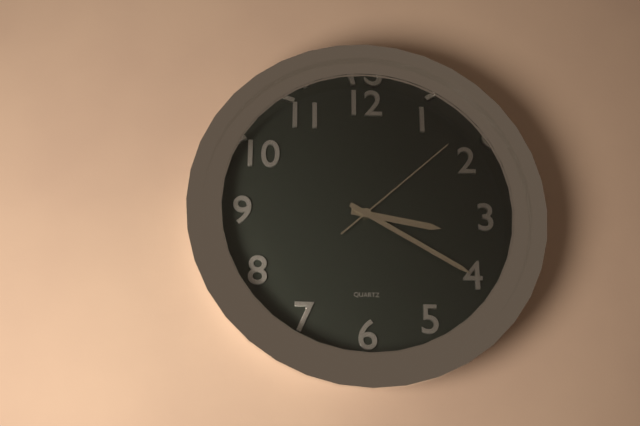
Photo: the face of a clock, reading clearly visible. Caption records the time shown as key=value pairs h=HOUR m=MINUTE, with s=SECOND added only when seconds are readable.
h=3 m=20 s=8
